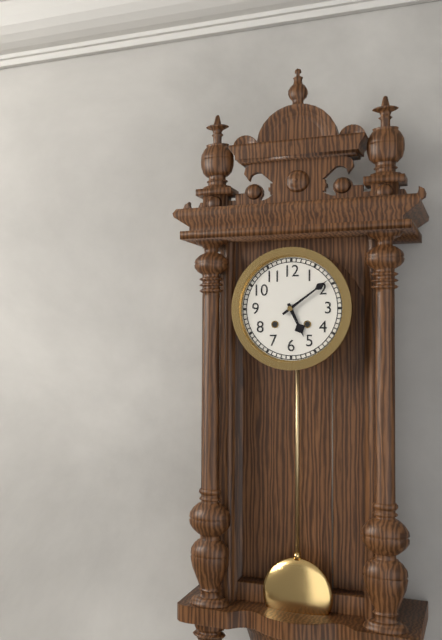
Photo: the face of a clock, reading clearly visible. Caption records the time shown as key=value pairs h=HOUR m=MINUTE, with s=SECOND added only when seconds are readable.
h=5 m=9
